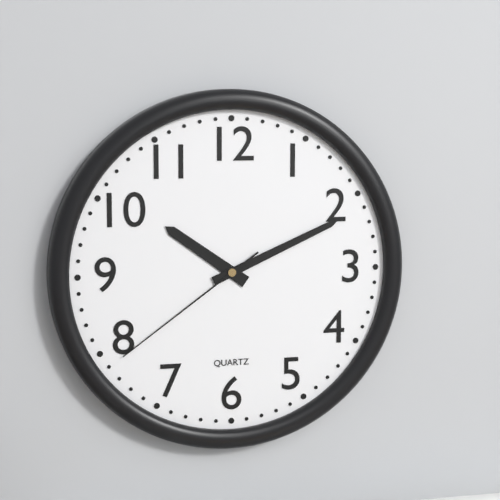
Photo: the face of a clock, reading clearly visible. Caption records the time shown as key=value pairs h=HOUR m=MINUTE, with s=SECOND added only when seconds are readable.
h=10 m=11 s=39
